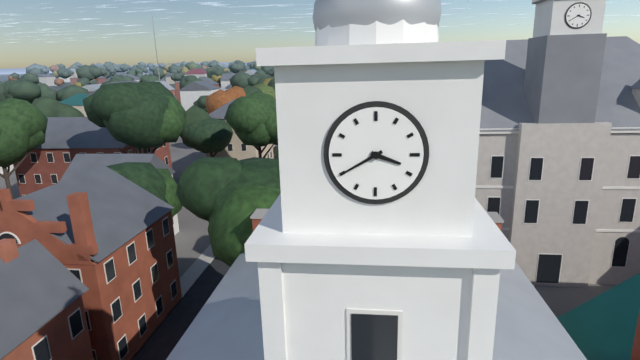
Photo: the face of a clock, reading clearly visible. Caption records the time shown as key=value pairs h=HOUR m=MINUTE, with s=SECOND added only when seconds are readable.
h=3 m=40
